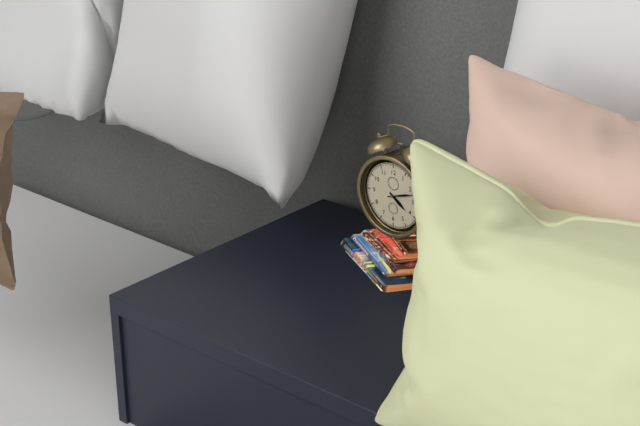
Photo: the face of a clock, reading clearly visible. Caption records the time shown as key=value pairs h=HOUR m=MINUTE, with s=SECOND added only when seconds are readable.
h=4 m=12
